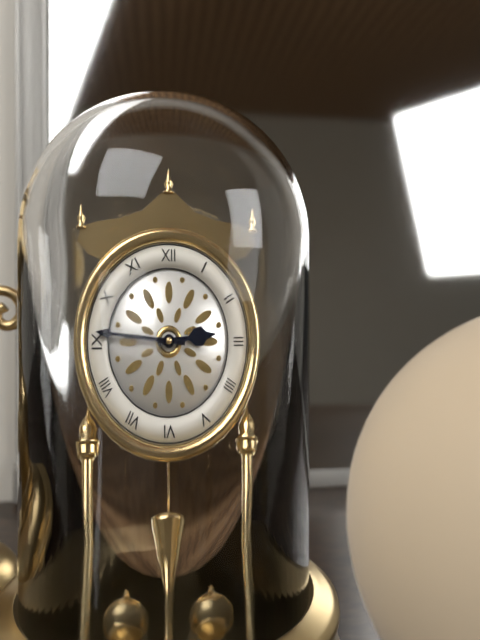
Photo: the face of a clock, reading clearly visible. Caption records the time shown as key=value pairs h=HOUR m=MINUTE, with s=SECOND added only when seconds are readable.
h=2 m=46
